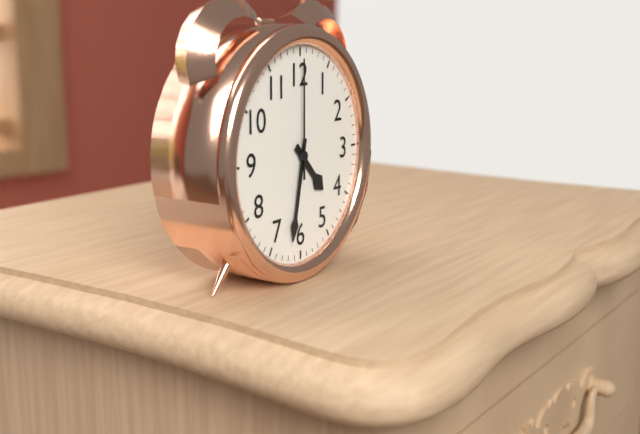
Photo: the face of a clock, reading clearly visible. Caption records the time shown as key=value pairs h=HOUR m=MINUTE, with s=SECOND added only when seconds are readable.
h=4 m=32 s=0
